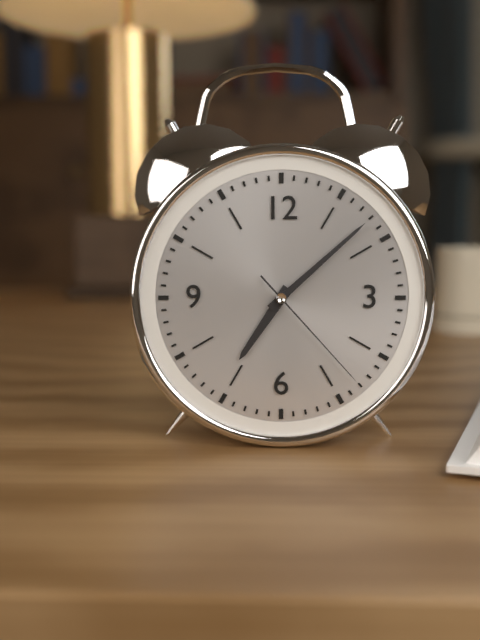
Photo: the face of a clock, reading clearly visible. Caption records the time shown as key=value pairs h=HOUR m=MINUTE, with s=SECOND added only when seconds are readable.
h=7 m=8 s=23
